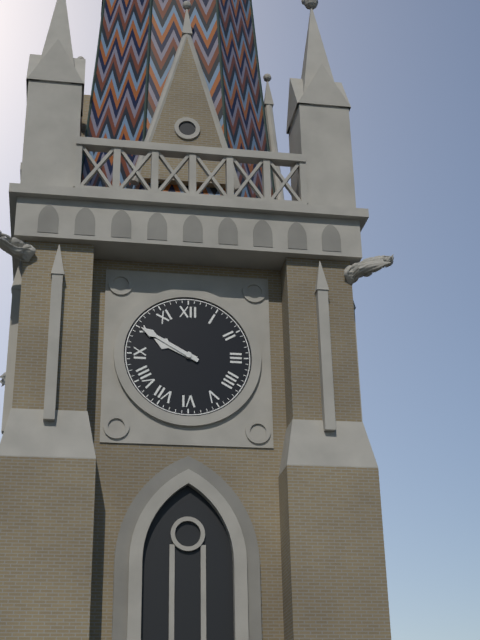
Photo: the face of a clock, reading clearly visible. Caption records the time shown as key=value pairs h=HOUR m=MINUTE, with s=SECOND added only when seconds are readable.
h=9 m=50
